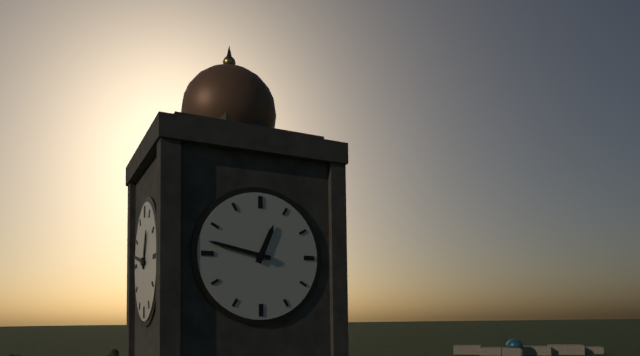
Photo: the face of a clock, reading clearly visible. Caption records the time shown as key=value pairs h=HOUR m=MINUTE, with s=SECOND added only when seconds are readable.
h=12 m=47
